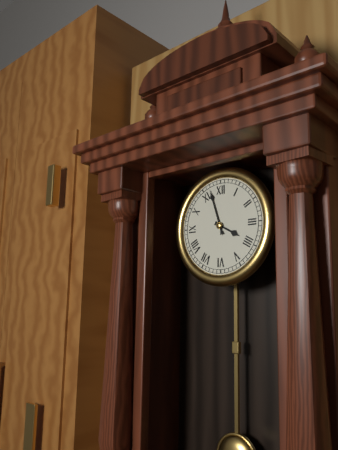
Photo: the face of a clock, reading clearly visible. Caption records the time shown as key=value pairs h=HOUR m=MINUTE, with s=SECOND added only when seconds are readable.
h=3 m=57
